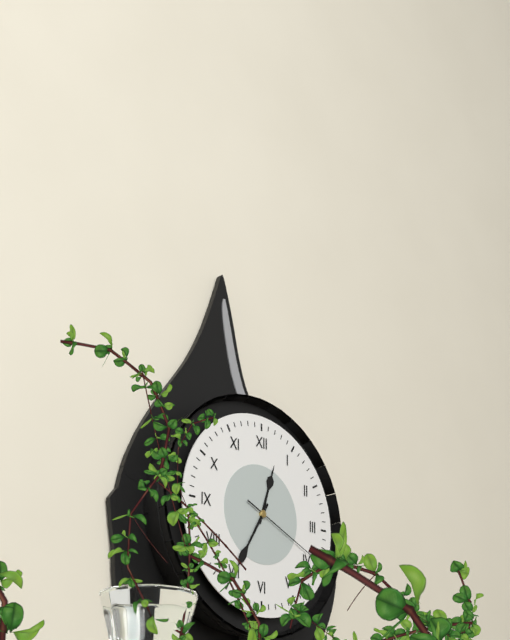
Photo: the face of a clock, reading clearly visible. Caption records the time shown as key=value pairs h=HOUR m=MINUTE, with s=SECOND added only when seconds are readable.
h=12 m=35 s=19
